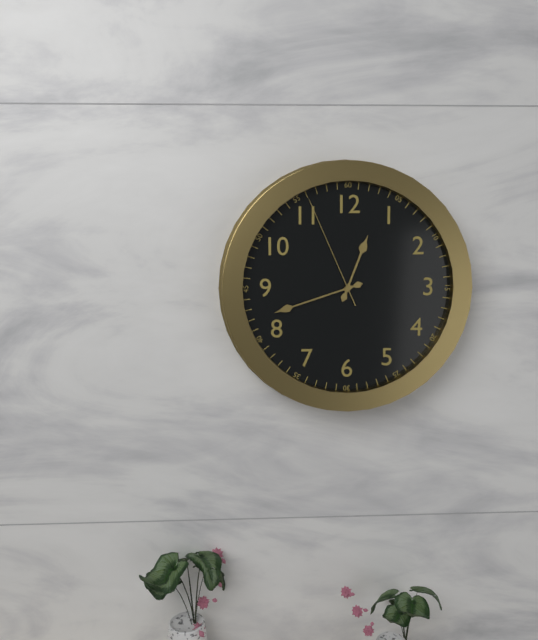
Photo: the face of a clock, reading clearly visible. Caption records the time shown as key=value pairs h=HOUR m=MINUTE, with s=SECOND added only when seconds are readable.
h=12 m=42 s=56
